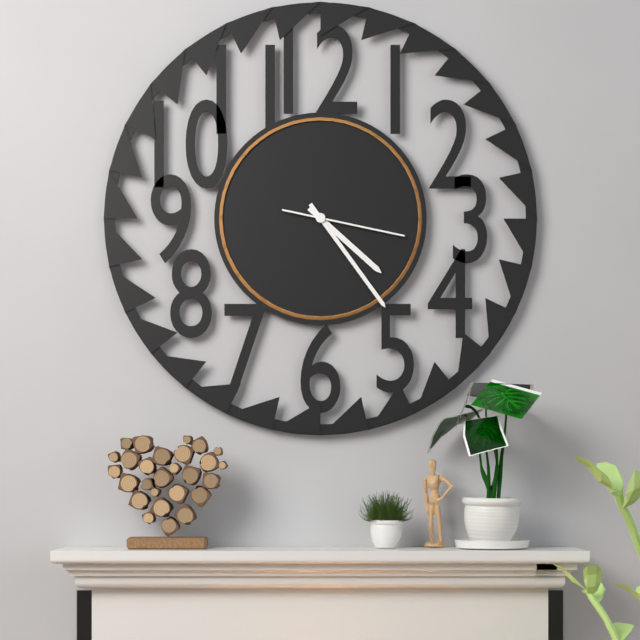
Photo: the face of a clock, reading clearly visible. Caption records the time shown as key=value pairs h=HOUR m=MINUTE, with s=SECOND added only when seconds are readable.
h=4 m=24 s=17
